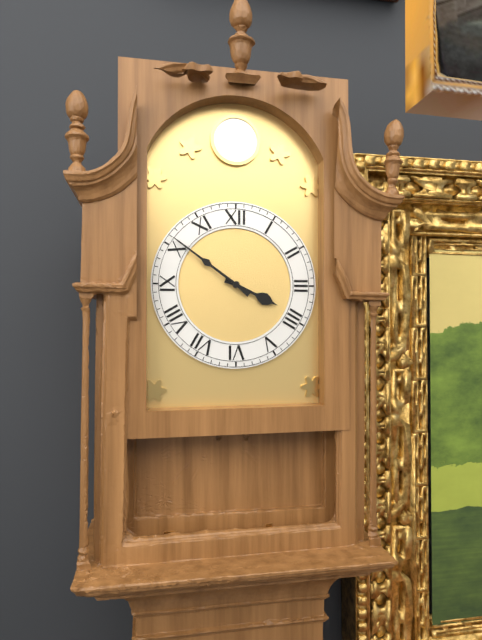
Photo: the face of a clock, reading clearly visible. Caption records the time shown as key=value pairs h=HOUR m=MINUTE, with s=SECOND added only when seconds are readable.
h=3 m=51
